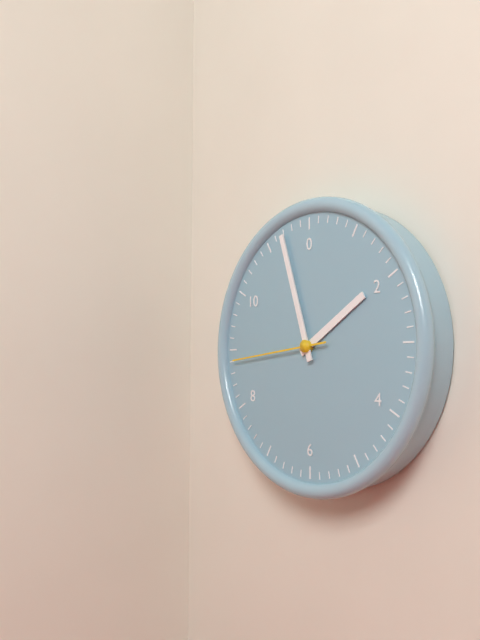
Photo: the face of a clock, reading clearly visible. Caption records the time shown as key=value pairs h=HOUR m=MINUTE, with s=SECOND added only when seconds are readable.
h=1 m=57 s=44
